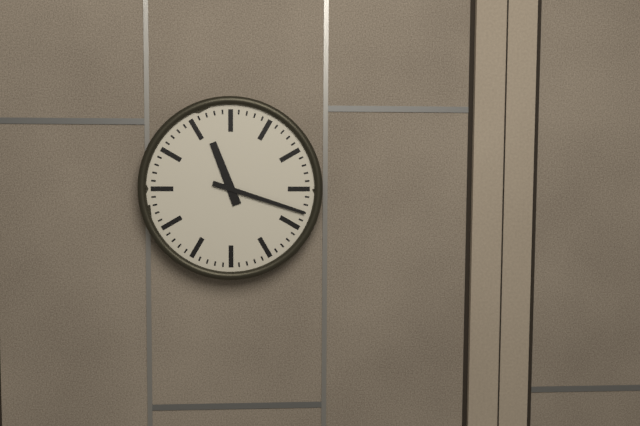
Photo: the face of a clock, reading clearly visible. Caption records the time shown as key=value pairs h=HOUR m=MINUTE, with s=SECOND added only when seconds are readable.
h=11 m=18
